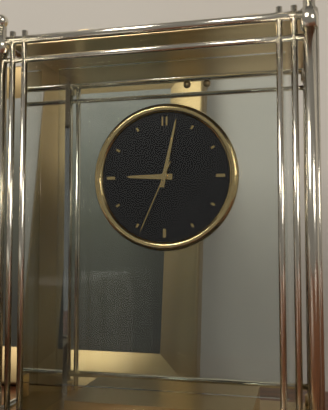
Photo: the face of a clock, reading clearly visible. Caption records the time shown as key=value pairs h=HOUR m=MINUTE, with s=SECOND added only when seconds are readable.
h=9 m=2 s=34
